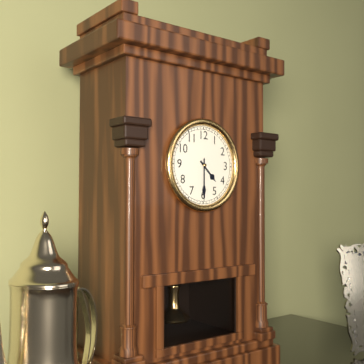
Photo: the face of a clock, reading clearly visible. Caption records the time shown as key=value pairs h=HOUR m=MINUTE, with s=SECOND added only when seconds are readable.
h=4 m=30
